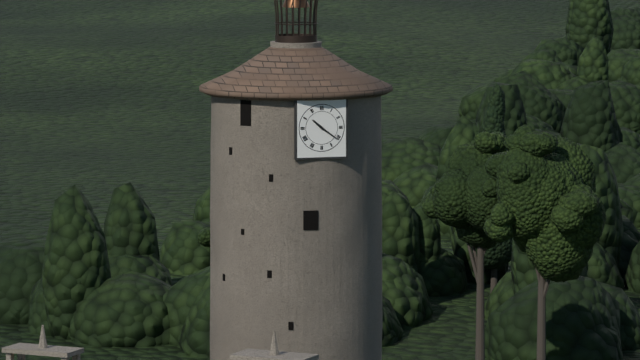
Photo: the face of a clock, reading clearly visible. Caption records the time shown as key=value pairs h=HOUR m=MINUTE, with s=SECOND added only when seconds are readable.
h=10 m=21
